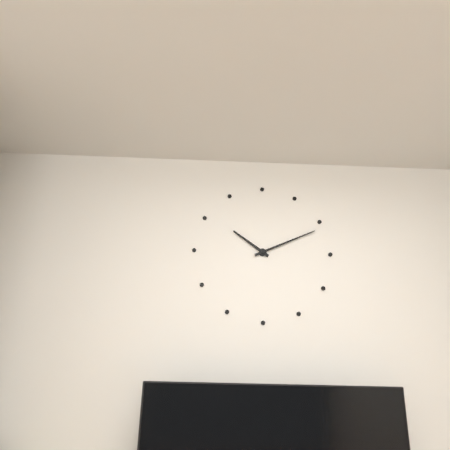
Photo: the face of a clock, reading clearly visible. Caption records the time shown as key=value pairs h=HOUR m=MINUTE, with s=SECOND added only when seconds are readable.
h=10 m=11
